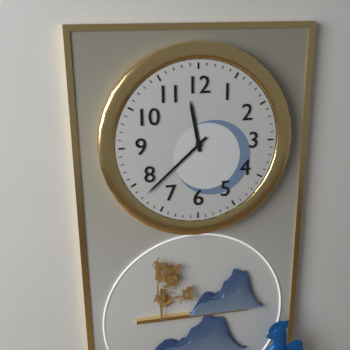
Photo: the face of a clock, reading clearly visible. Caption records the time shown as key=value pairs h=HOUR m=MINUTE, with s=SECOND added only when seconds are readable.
h=11 m=38
